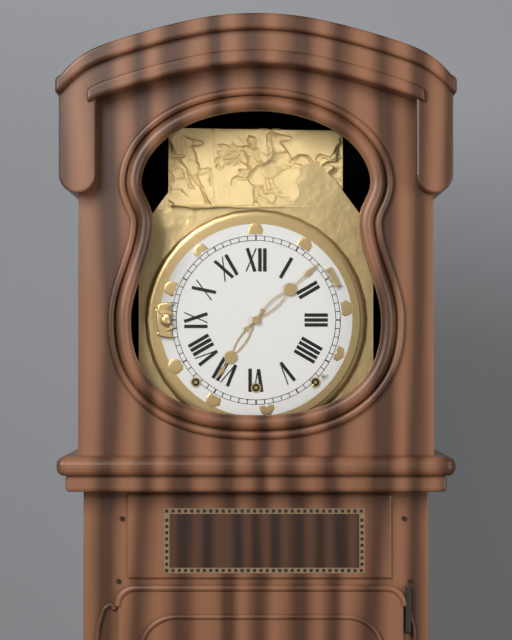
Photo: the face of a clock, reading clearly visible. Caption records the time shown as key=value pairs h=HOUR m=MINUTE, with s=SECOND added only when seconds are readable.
h=7 m=8
